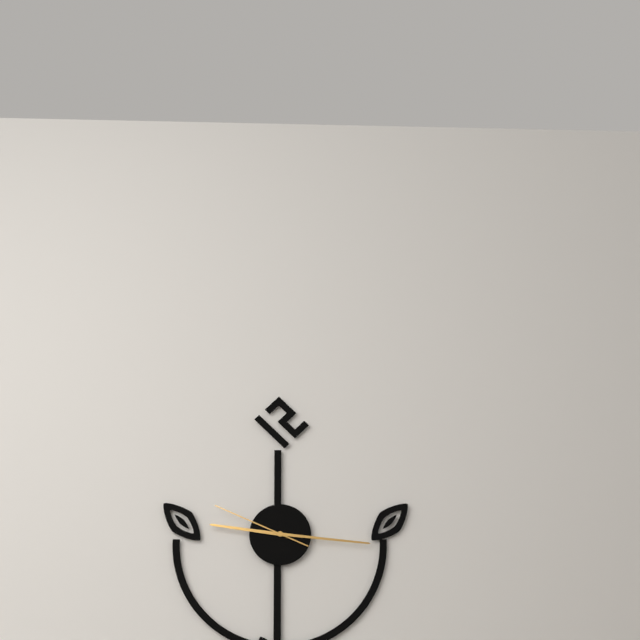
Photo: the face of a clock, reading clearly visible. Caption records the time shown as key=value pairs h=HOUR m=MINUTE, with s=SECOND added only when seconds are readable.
h=9 m=16 s=49
